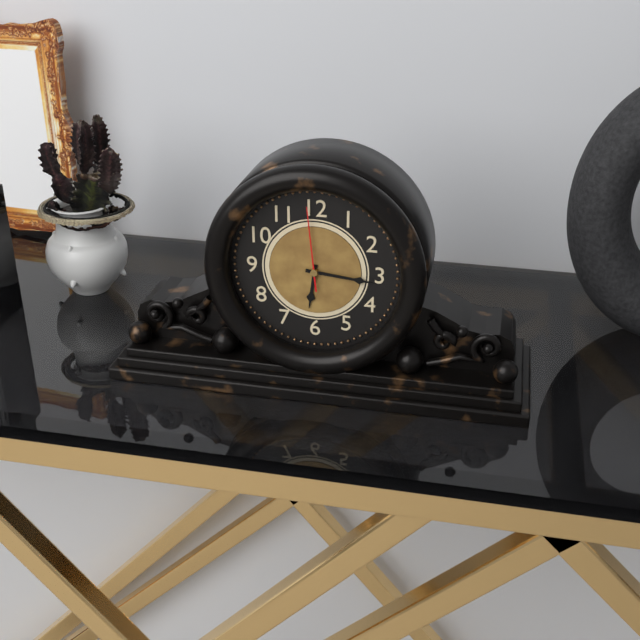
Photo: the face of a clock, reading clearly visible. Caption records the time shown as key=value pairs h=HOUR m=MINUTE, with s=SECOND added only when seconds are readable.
h=6 m=16 s=59
